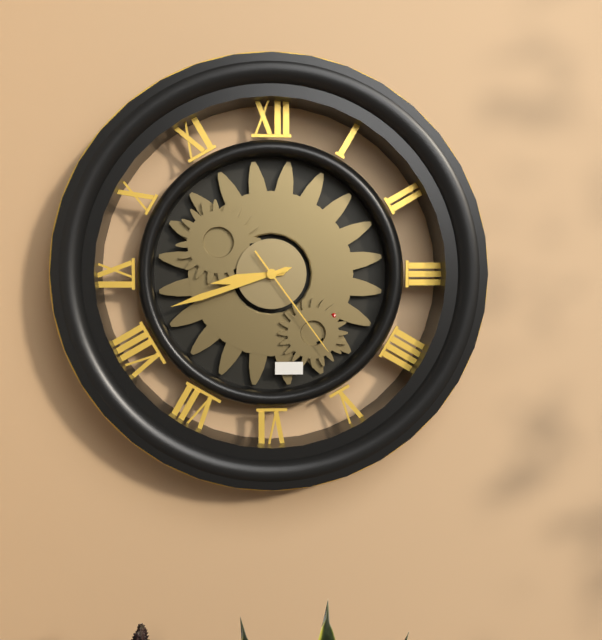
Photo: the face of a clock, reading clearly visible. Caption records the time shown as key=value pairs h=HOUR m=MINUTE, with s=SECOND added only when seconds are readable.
h=8 m=42 s=24
